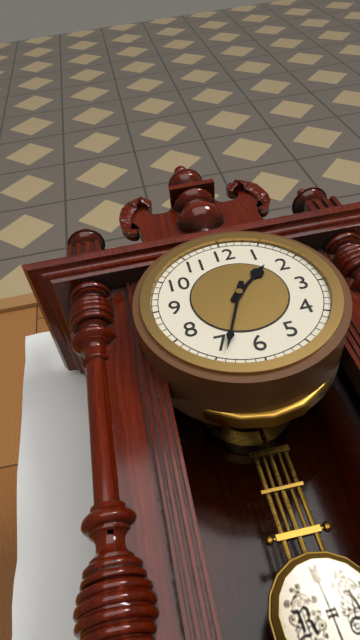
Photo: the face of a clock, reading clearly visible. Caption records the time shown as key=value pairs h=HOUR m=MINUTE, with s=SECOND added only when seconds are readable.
h=1 m=34
